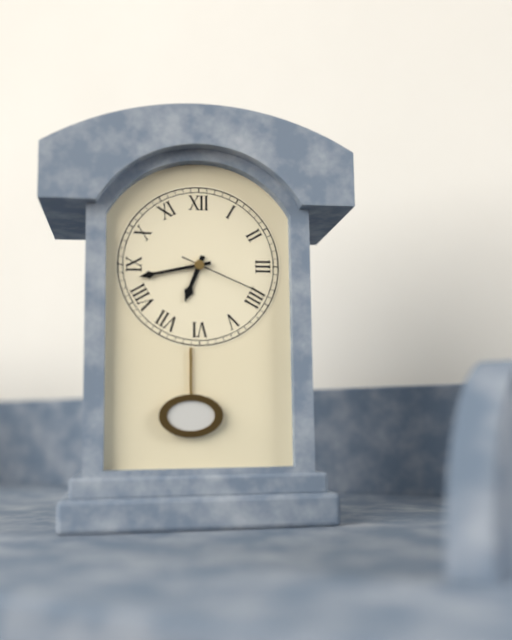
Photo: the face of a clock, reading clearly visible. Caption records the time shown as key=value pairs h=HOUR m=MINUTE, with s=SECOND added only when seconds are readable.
h=6 m=43 s=19
